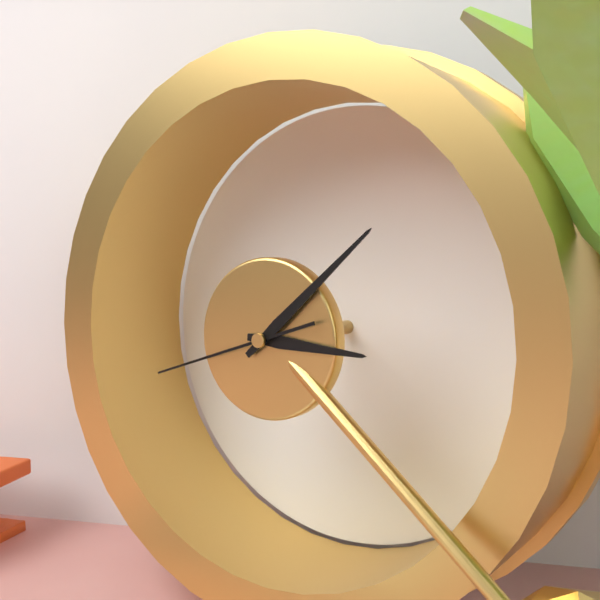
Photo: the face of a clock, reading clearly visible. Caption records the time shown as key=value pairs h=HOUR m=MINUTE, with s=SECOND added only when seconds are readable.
h=3 m=8 s=42
